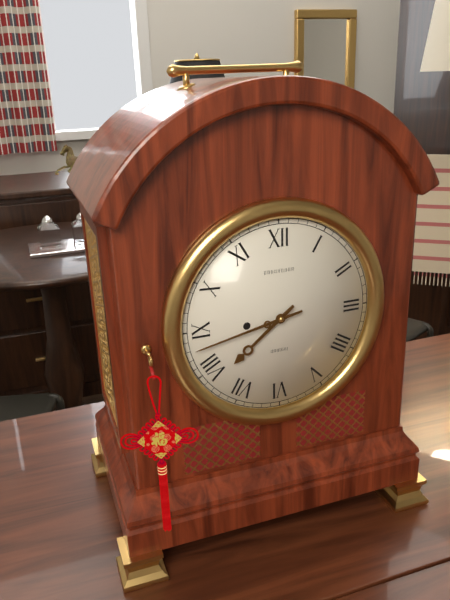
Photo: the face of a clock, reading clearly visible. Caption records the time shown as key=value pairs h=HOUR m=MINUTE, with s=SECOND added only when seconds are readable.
h=7 m=43
